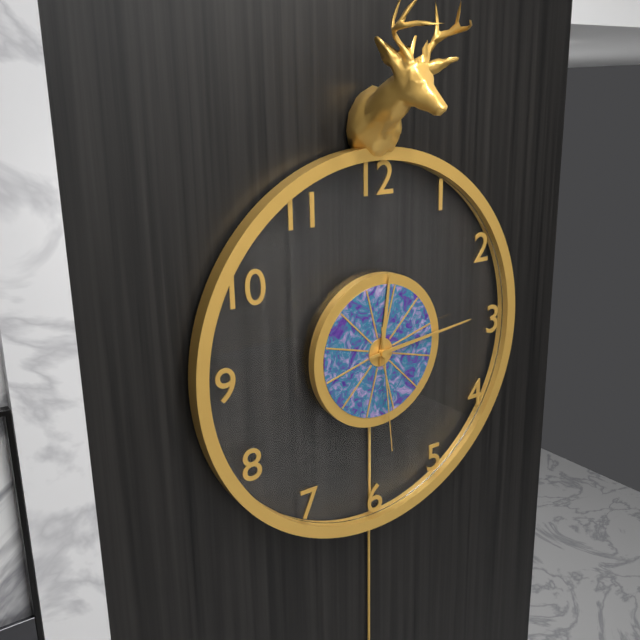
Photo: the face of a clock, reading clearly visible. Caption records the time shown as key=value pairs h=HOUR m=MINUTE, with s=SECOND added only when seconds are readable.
h=12 m=14 s=29
